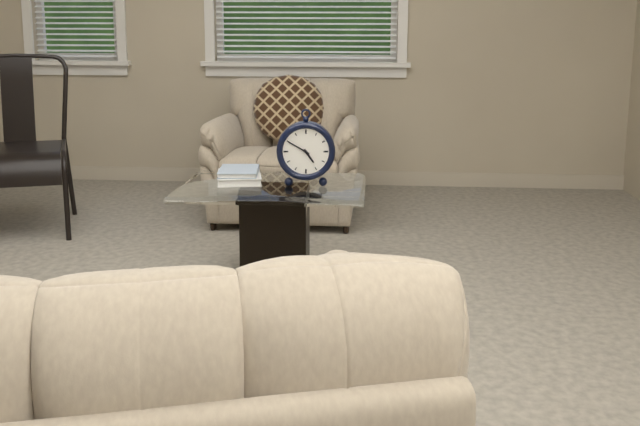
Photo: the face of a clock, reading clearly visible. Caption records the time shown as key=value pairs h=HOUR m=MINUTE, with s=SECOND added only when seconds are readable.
h=4 m=50
